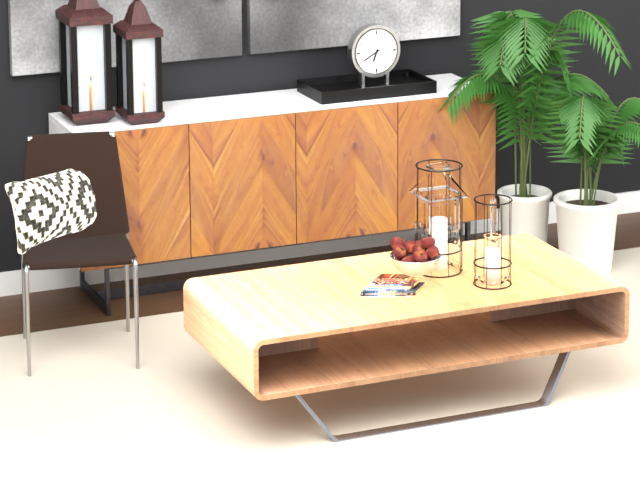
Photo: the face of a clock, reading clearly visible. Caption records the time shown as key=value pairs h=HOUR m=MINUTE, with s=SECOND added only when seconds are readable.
h=6 m=40
